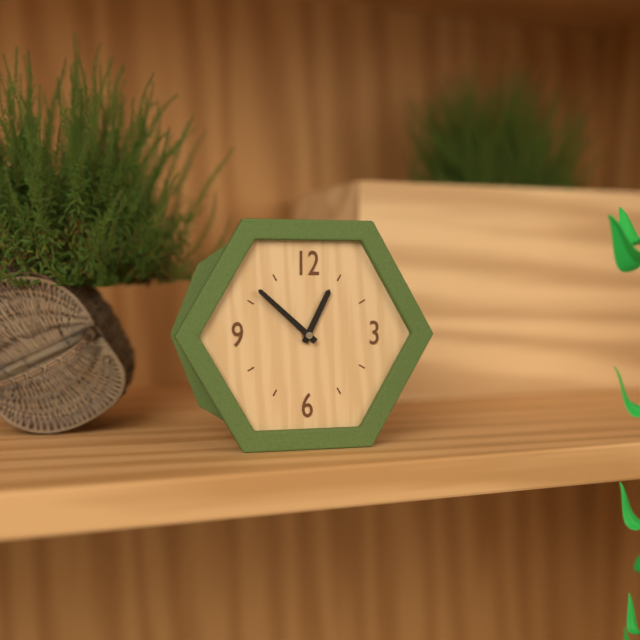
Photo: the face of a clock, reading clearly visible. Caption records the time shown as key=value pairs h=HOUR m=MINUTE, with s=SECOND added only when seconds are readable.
h=12 m=52
